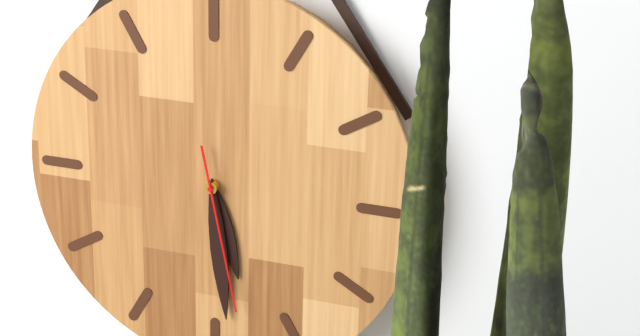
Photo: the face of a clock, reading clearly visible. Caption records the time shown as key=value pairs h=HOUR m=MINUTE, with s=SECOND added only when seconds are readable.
h=5 m=29 s=28
